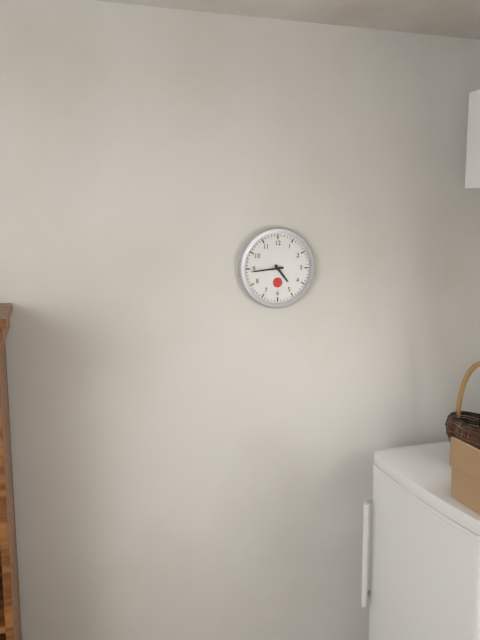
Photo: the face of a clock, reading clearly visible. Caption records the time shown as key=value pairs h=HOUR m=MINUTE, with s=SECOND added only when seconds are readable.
h=4 m=44
